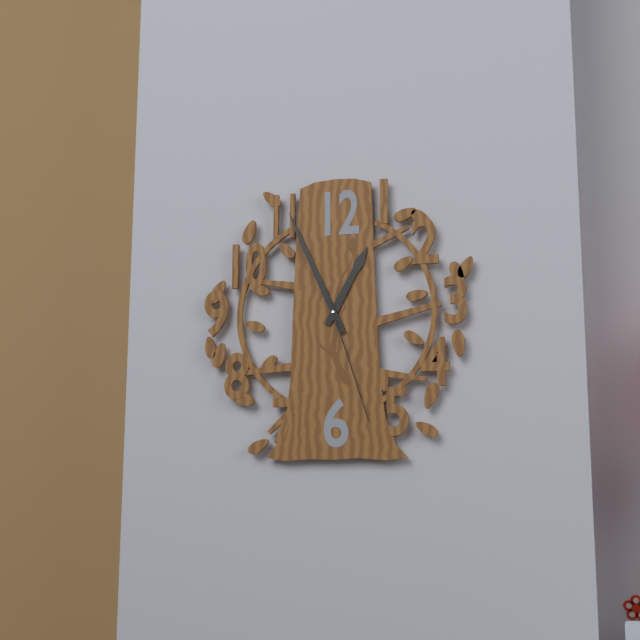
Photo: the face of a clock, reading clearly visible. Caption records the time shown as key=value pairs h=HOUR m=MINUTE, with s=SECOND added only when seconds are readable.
h=12 m=56 s=27
